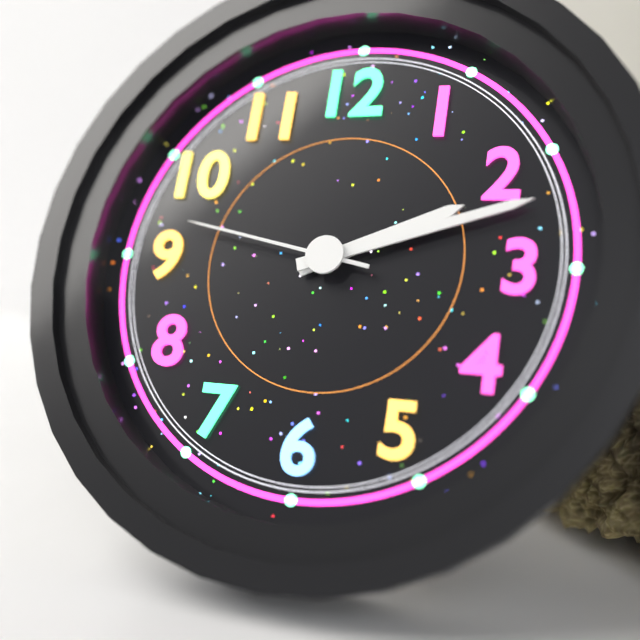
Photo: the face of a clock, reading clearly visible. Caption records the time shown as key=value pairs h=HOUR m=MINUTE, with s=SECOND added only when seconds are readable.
h=2 m=12 s=47
